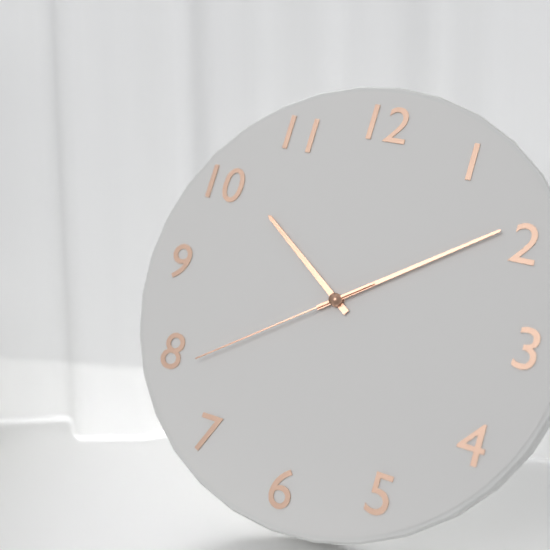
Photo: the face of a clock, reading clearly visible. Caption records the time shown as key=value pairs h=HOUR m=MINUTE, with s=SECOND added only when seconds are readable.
h=10 m=9 s=39
